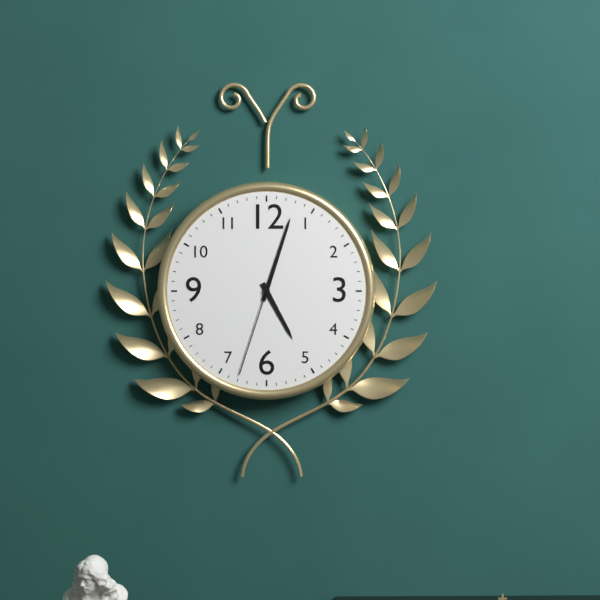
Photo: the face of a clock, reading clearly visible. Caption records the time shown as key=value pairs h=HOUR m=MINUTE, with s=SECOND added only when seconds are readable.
h=5 m=3 s=33
